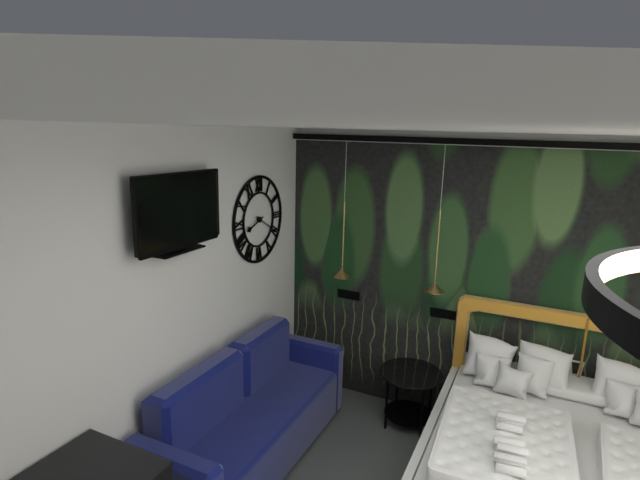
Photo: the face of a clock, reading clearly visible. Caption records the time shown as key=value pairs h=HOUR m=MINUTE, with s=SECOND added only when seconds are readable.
h=8 m=20
